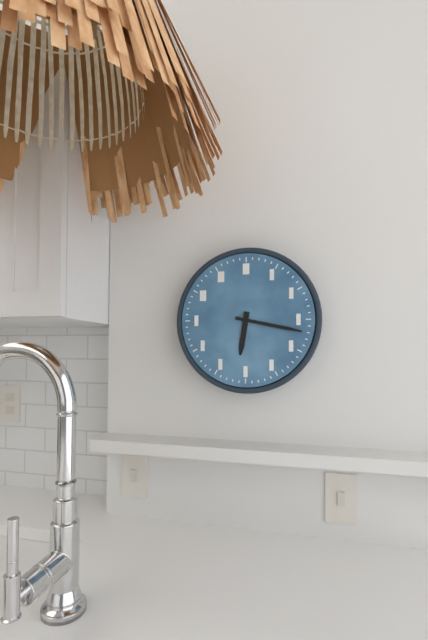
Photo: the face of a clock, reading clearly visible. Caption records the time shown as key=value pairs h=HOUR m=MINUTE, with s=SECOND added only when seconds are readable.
h=6 m=17
